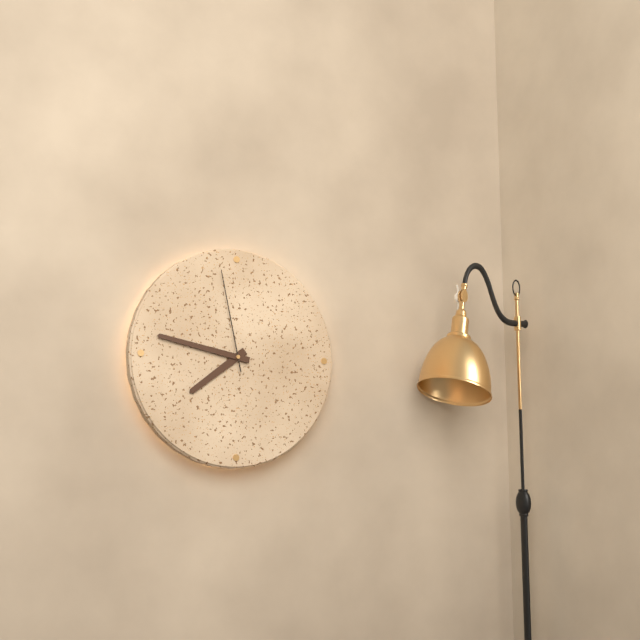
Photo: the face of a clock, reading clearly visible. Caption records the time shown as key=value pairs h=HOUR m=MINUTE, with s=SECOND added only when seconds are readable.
h=7 m=47 s=58
